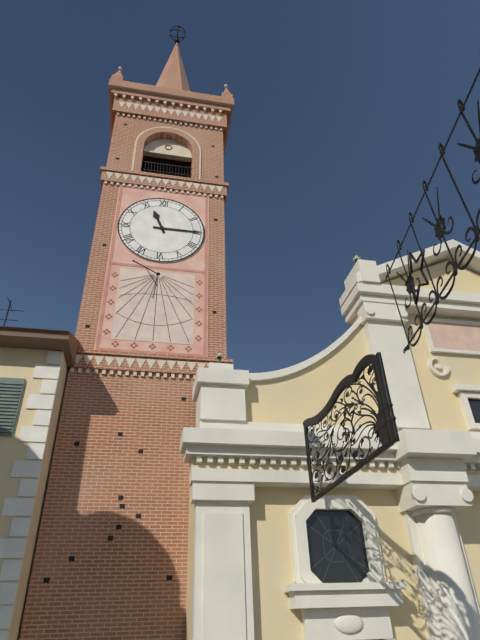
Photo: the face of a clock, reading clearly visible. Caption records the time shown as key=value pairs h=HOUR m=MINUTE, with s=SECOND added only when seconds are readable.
h=11 m=15
